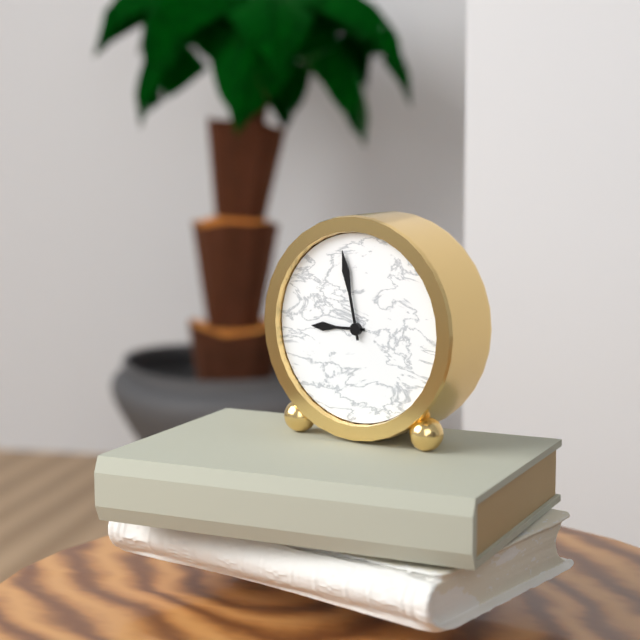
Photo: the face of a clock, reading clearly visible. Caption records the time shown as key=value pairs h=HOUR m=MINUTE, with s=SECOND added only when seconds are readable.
h=8 m=58
